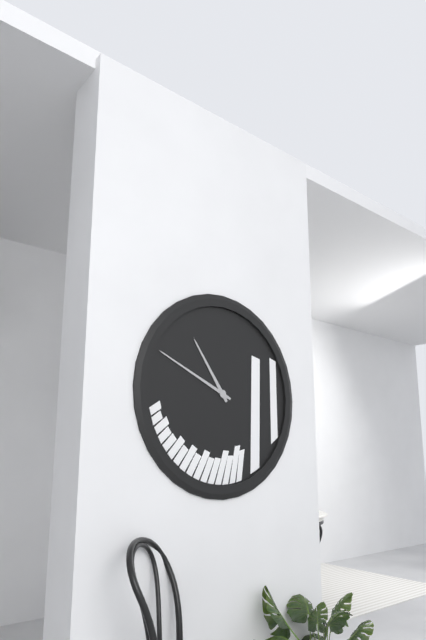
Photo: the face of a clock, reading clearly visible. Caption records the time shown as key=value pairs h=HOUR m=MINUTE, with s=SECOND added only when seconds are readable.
h=10 m=49
